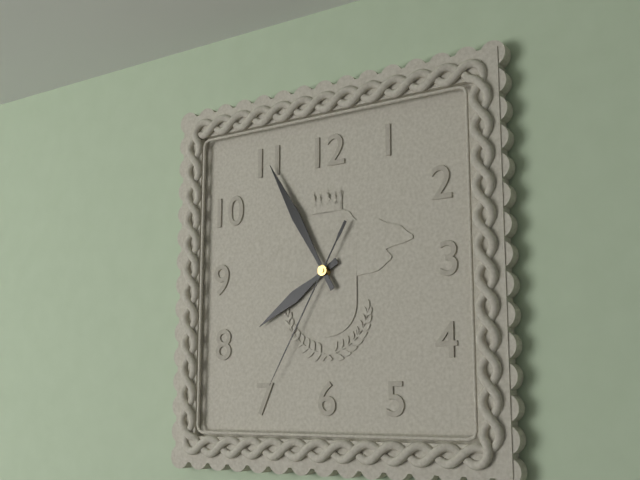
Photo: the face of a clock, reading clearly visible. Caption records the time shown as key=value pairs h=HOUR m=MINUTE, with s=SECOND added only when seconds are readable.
h=7 m=55 s=35
